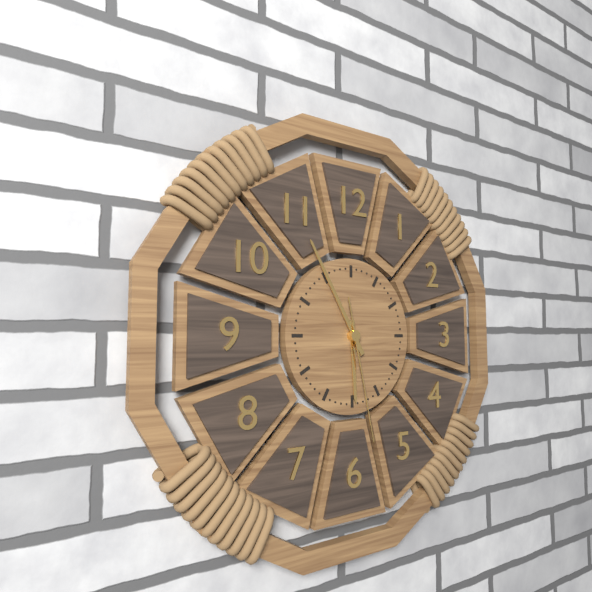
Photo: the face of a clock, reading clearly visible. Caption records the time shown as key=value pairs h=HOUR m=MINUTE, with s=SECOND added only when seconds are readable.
h=5 m=55 s=28
